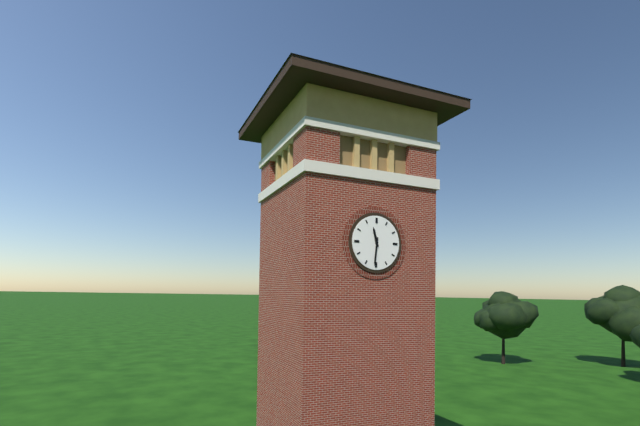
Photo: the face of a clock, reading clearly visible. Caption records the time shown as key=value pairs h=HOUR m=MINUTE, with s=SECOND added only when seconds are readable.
h=11 m=31
